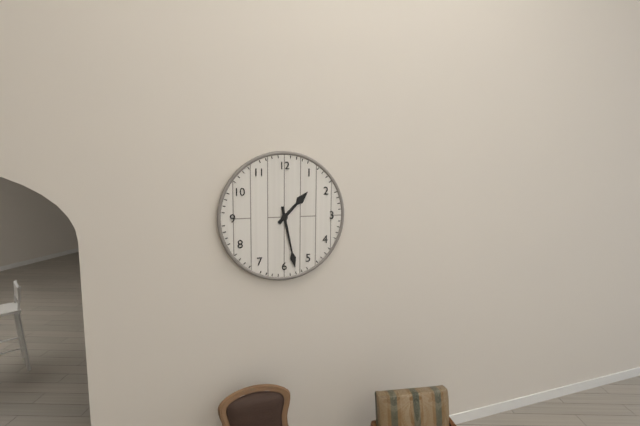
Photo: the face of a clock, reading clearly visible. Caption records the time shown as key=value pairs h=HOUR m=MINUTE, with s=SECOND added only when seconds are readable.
h=1 m=28
